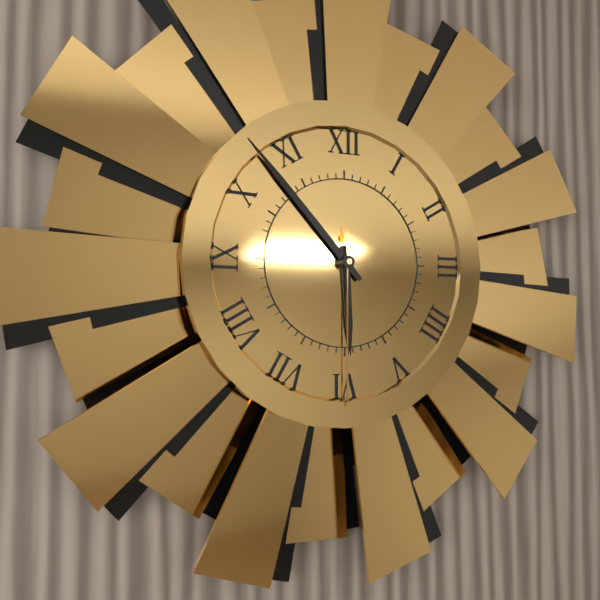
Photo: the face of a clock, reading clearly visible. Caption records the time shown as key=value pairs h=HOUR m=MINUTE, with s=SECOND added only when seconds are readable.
h=5 m=53 s=30
